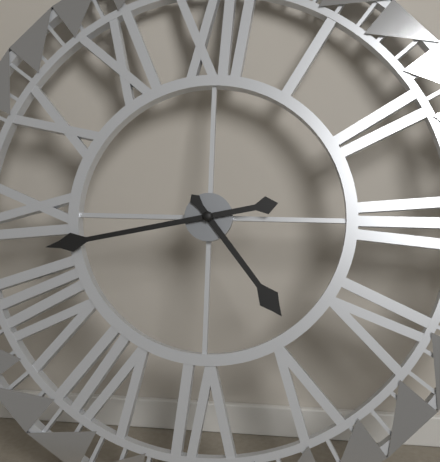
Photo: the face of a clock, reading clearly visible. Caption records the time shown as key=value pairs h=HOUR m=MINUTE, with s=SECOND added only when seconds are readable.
h=4 m=43
